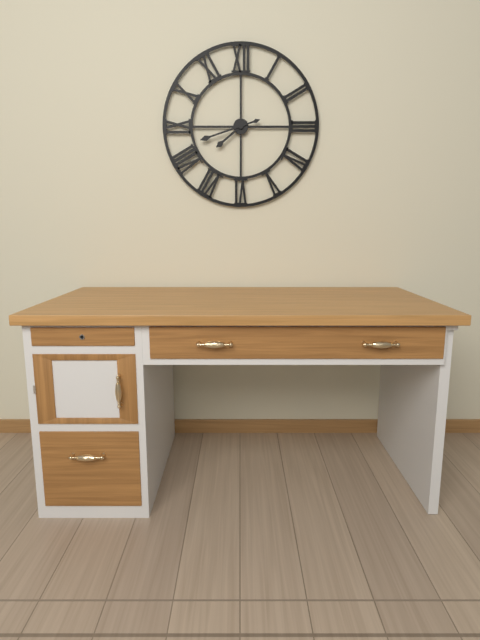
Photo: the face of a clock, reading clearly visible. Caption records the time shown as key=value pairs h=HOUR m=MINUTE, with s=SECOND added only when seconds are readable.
h=7 m=42
